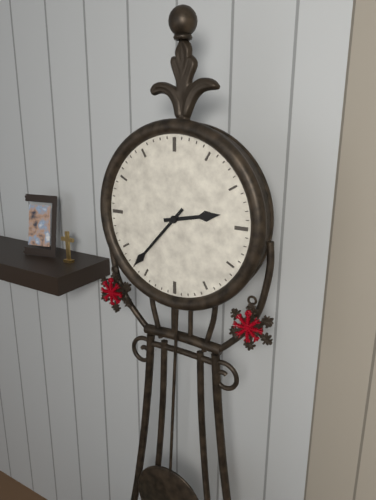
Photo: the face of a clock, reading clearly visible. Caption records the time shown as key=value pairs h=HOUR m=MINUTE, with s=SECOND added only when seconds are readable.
h=2 m=37
